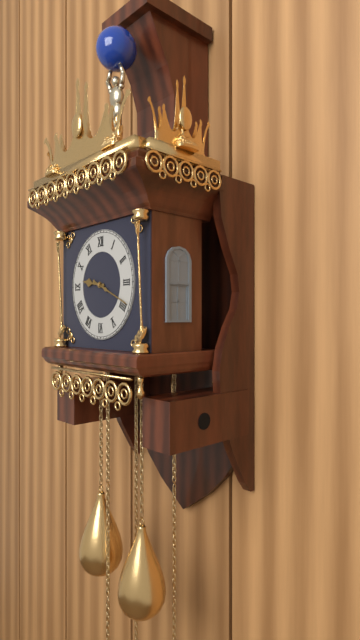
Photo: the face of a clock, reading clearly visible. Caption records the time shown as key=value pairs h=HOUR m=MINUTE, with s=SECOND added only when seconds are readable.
h=9 m=19
